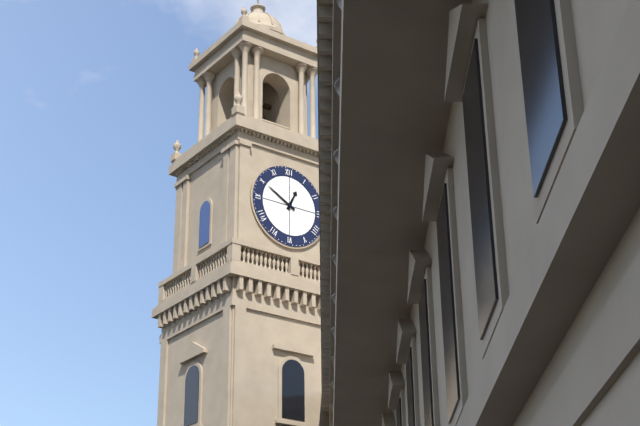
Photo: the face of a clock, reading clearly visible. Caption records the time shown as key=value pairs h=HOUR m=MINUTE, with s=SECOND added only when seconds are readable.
h=12 m=50
